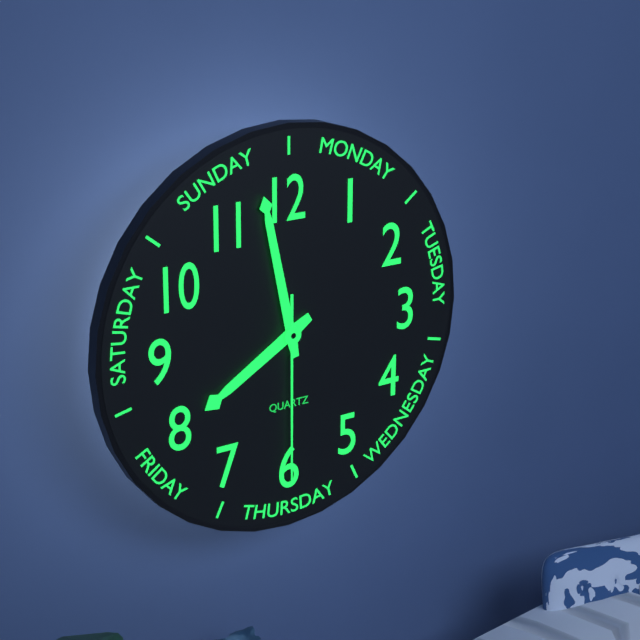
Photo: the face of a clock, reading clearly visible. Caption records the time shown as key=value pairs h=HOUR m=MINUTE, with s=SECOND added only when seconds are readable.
h=7 m=58 s=30
